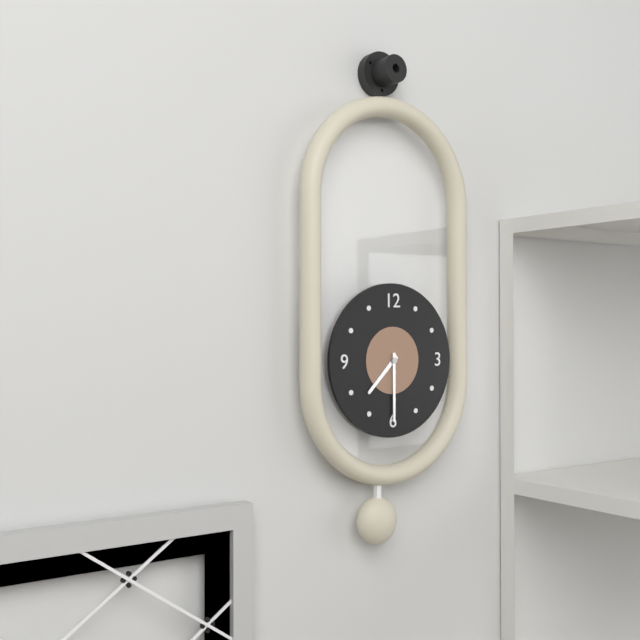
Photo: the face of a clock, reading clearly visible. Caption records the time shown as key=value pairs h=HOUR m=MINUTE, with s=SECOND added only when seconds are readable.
h=7 m=30
